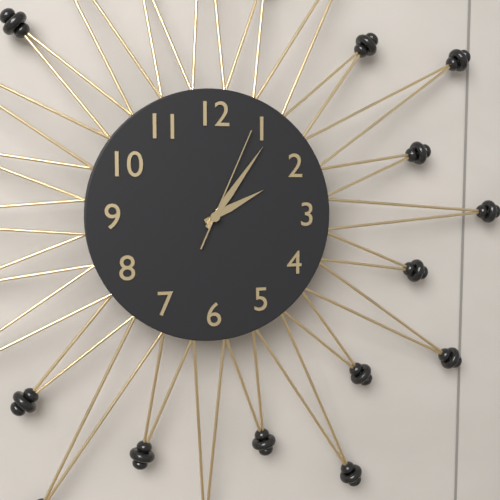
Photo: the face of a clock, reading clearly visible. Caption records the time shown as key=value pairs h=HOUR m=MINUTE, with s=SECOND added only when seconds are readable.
h=2 m=6 s=4
